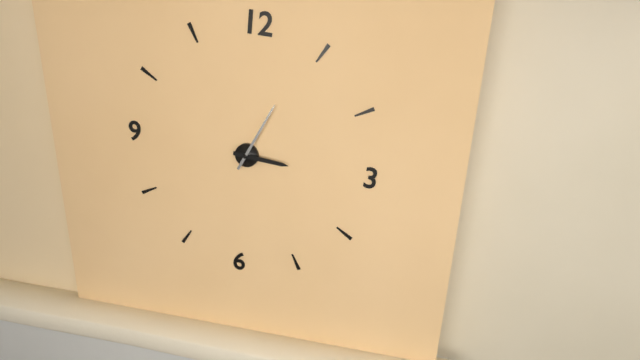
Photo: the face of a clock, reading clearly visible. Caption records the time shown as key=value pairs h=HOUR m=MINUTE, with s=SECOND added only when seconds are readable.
h=3 m=4
